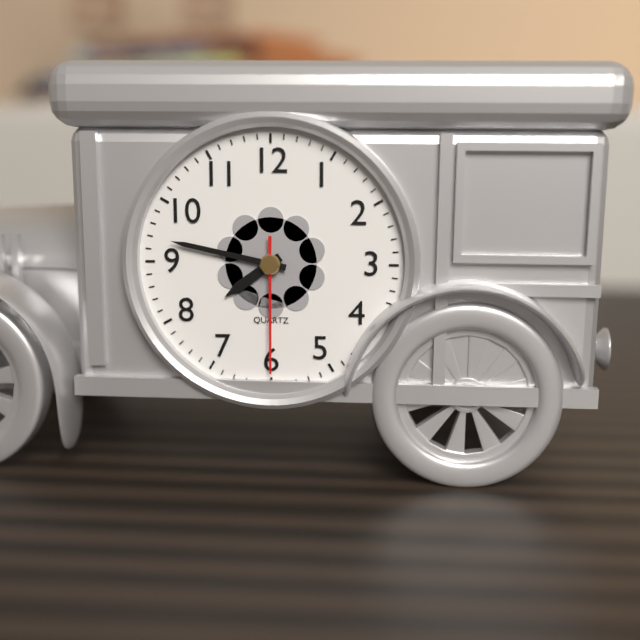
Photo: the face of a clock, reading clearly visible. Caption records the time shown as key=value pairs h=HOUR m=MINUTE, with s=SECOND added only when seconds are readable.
h=7 m=47 s=30
